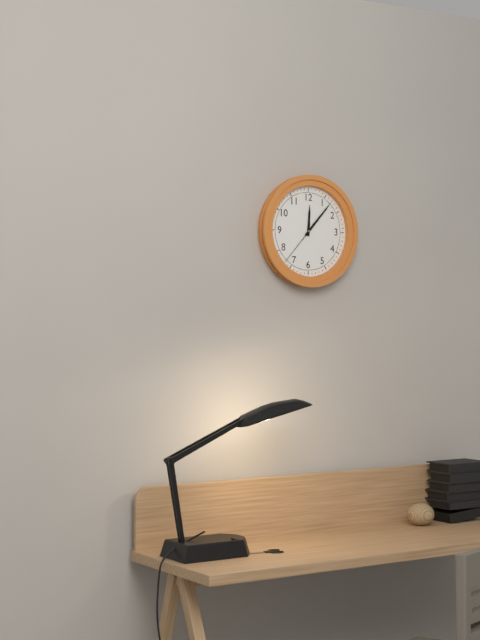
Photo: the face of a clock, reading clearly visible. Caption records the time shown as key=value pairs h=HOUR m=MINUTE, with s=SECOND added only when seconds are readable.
h=12 m=7
